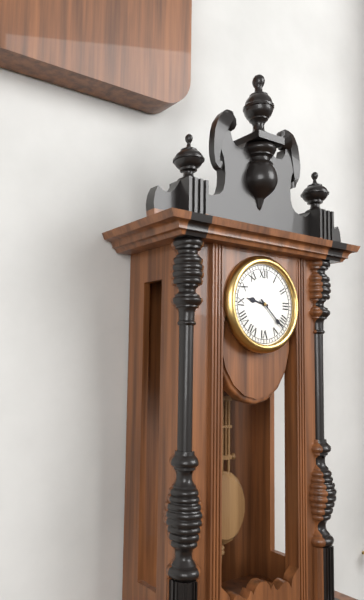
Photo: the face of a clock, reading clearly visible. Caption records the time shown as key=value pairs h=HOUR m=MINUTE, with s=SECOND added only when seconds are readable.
h=9 m=22
